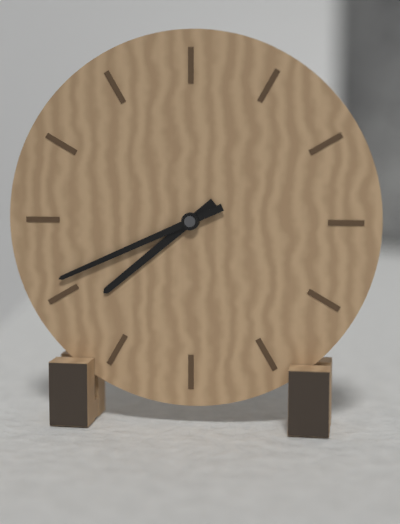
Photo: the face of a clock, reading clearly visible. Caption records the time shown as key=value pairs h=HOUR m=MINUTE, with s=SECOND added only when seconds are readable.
h=7 m=41
